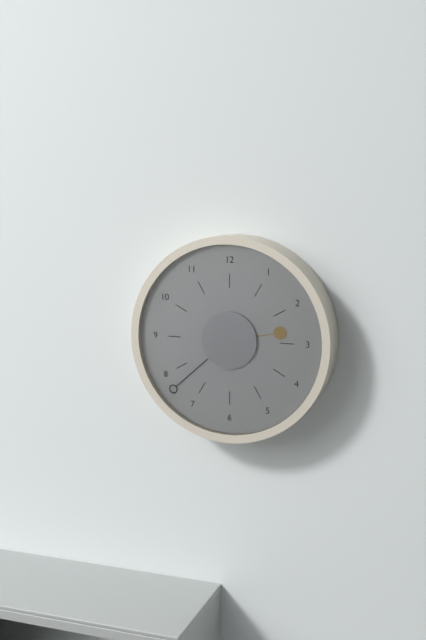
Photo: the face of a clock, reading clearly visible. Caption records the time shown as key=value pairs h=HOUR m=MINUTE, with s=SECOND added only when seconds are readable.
h=2 m=38
